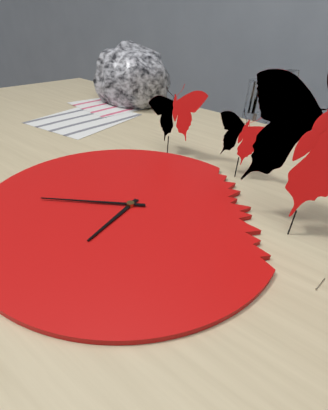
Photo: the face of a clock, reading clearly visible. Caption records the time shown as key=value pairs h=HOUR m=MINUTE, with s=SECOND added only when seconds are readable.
h=5 m=39
